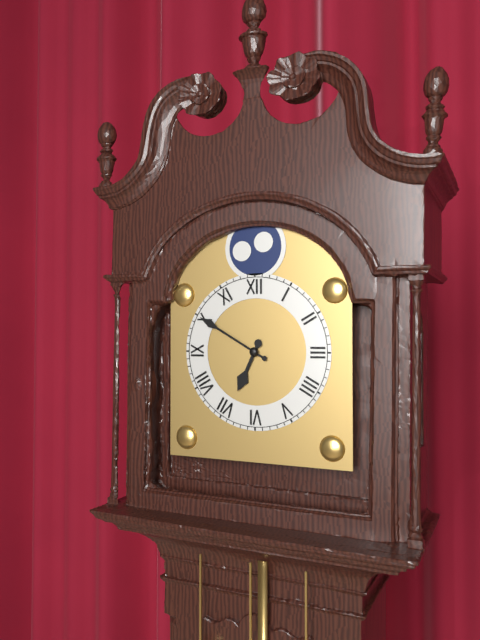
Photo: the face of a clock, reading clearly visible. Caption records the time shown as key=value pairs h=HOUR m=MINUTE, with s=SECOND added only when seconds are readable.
h=6 m=50
